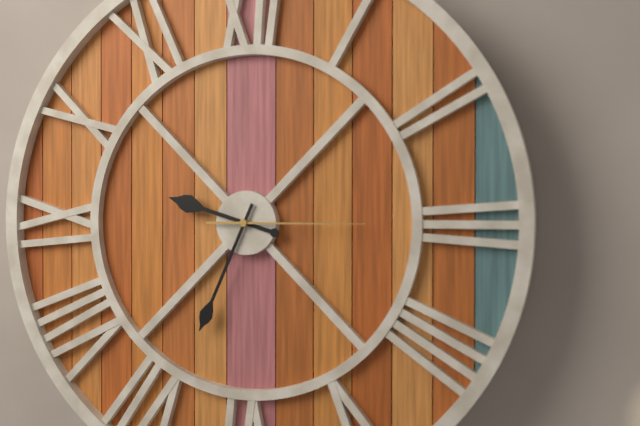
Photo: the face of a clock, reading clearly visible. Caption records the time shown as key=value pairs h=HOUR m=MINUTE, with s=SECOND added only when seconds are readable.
h=9 m=34 s=15
